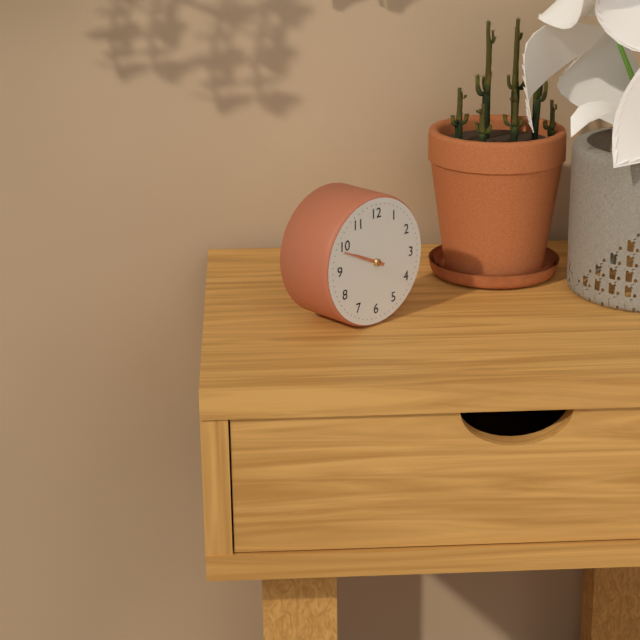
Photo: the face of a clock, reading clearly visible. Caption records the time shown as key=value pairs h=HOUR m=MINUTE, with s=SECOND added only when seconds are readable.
h=9 m=49
